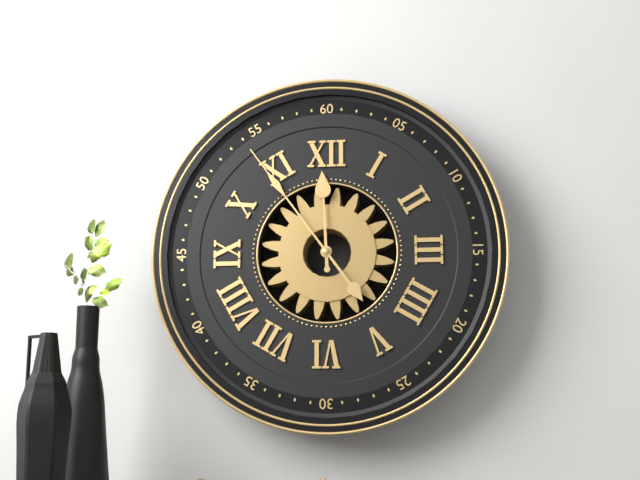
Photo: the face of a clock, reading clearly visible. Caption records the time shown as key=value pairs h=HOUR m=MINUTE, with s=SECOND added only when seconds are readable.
h=11 m=54
